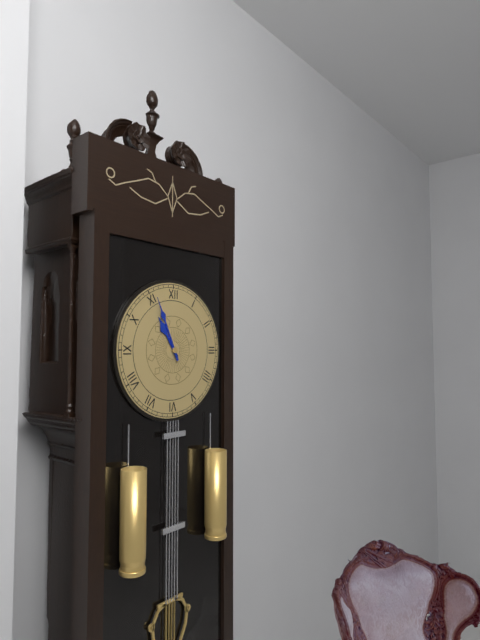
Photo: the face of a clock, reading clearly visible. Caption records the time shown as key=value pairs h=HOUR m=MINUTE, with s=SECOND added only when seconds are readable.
h=10 m=56
